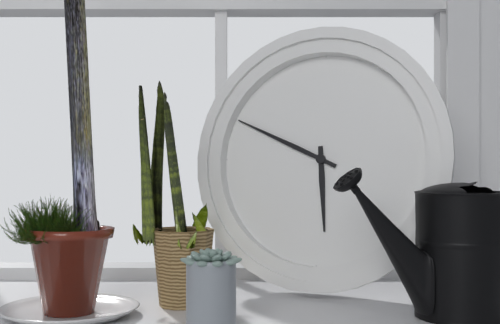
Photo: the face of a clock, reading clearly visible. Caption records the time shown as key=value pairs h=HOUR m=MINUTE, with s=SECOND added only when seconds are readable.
h=5 m=49
